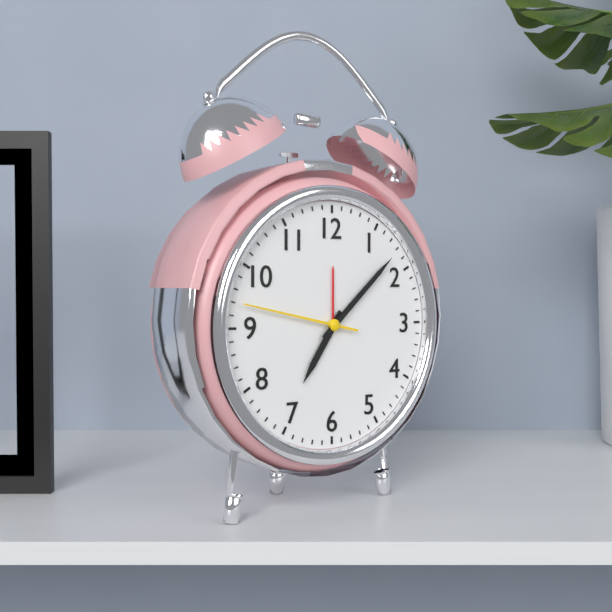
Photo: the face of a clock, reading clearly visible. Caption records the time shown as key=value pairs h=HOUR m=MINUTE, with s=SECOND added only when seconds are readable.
h=7 m=8 s=47
